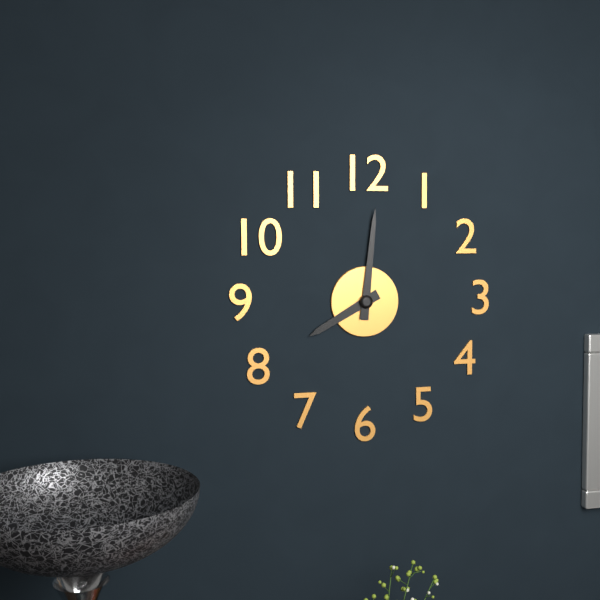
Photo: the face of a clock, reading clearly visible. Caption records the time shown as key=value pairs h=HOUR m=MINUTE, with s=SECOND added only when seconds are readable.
h=8 m=1
